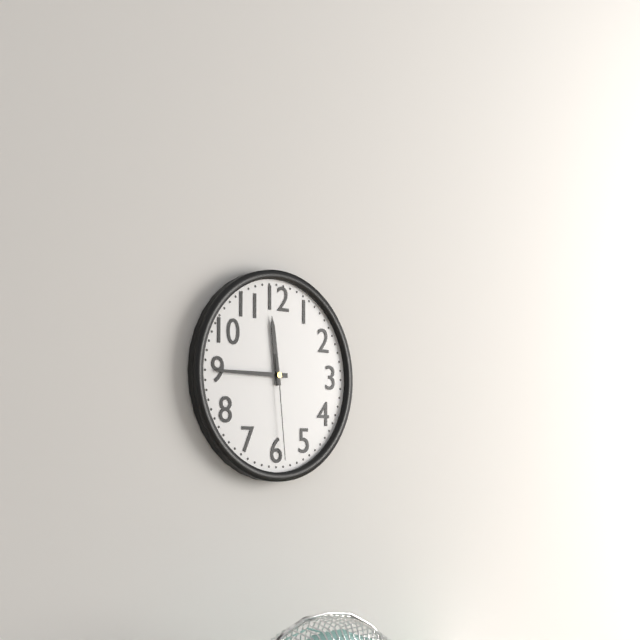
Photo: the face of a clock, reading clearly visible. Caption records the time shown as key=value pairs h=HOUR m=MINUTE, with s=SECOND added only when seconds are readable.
h=11 m=45 s=29
